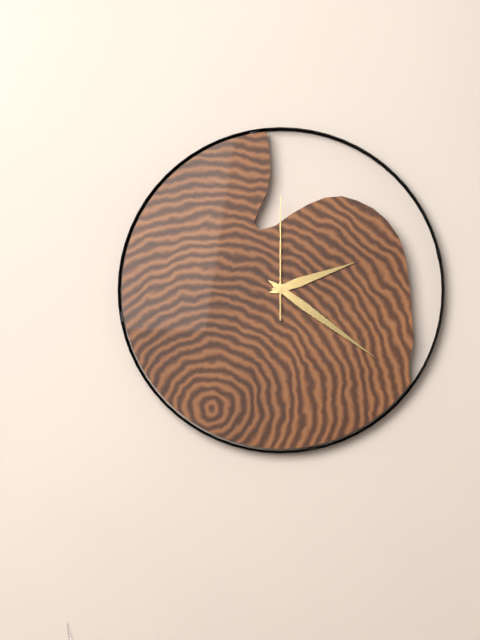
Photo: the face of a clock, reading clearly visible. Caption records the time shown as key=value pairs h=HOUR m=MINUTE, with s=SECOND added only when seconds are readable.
h=2 m=21 s=0
